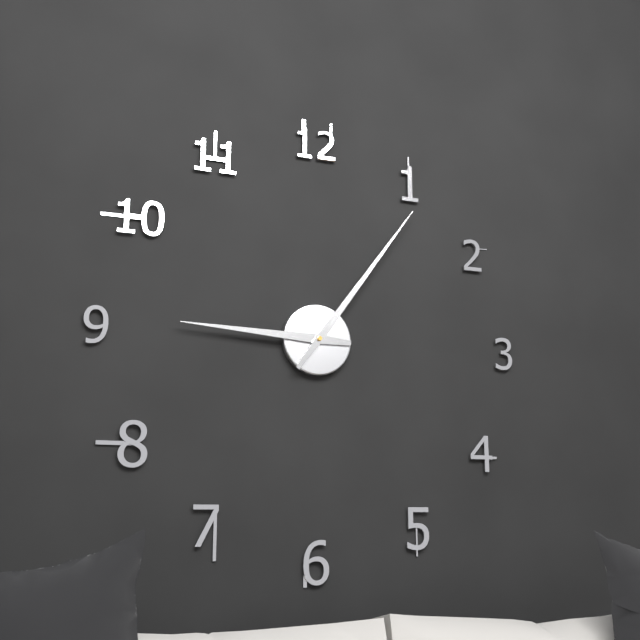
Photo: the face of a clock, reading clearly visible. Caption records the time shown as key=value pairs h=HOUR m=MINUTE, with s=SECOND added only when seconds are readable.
h=9 m=6
